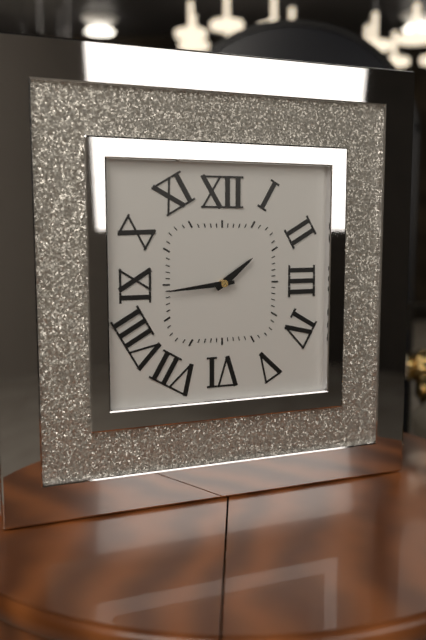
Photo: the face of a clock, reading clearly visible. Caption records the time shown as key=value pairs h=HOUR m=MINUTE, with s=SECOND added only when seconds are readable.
h=1 m=44
